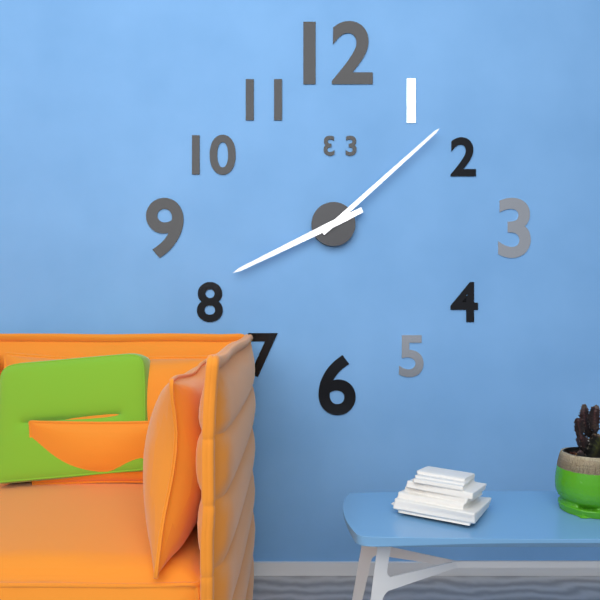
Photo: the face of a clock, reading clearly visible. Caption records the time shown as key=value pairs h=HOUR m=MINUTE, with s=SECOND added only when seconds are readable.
h=8 m=8
